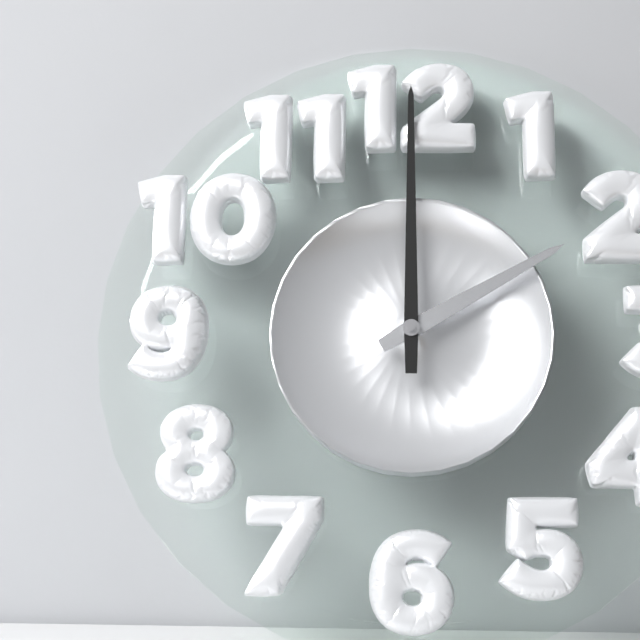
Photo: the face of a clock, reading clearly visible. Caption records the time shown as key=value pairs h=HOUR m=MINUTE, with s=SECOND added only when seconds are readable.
h=2 m=0
